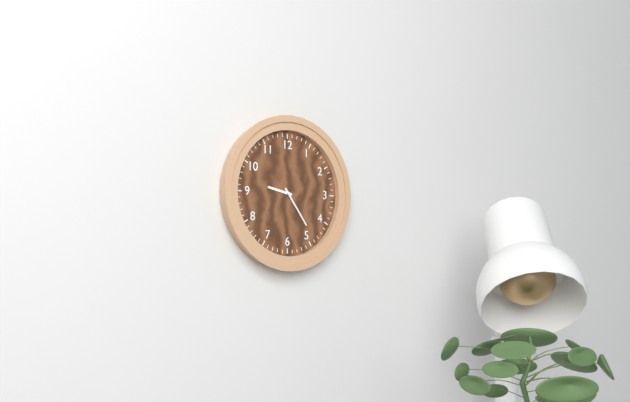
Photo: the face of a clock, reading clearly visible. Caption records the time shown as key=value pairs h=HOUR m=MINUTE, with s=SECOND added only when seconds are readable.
h=9 m=24
